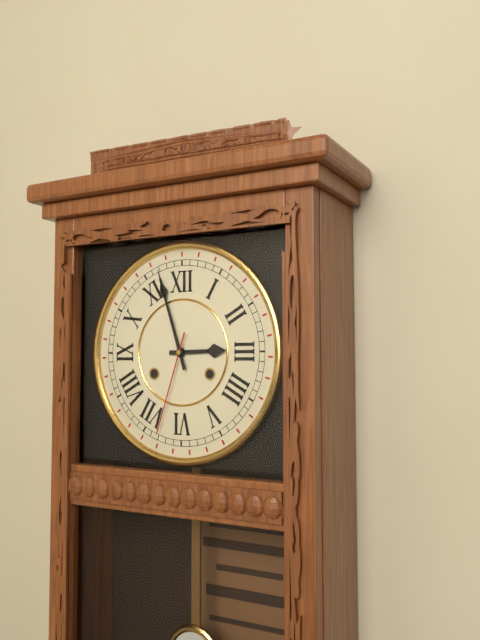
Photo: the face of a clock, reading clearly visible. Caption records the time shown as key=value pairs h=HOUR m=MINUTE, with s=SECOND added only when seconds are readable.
h=2 m=57 s=33
